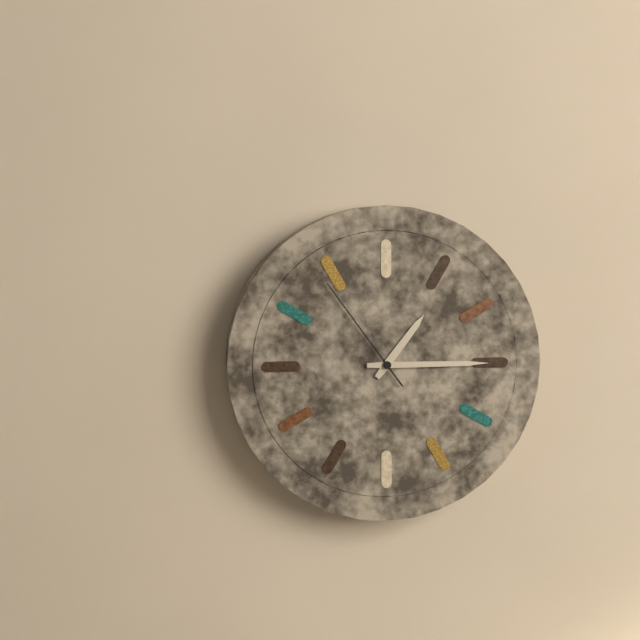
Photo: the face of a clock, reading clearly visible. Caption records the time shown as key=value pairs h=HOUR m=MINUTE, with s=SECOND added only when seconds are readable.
h=1 m=15 s=54
